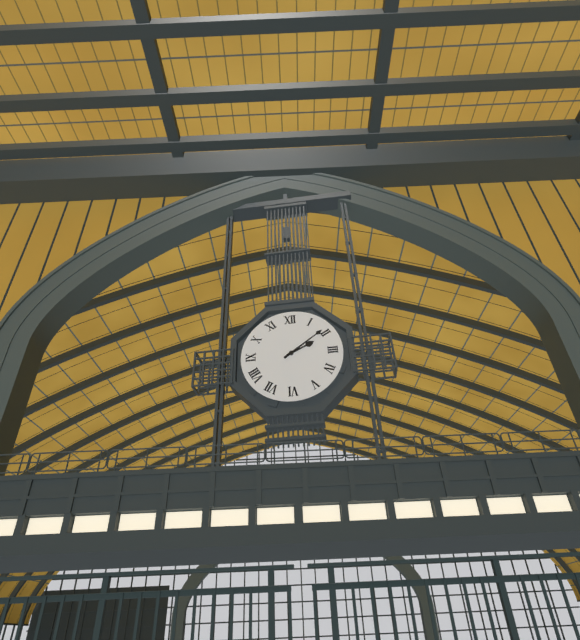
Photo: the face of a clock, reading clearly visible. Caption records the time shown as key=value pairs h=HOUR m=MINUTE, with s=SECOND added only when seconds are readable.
h=2 m=9
